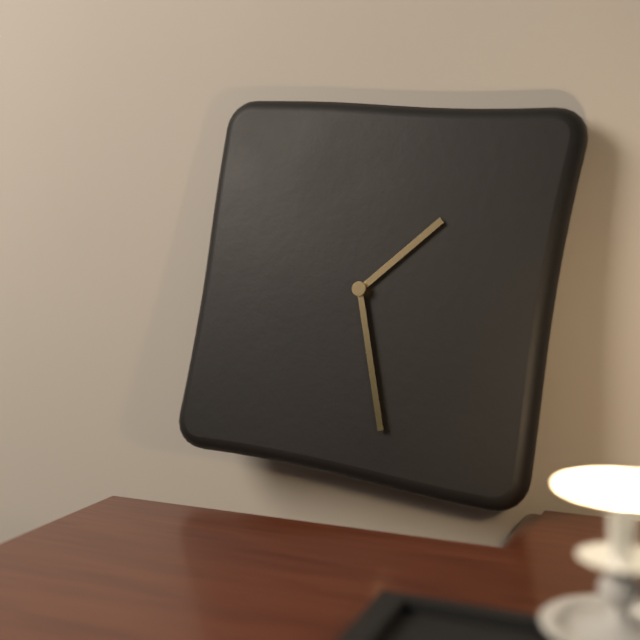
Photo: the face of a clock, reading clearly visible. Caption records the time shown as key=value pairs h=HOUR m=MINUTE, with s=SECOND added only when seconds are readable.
h=1 m=27
